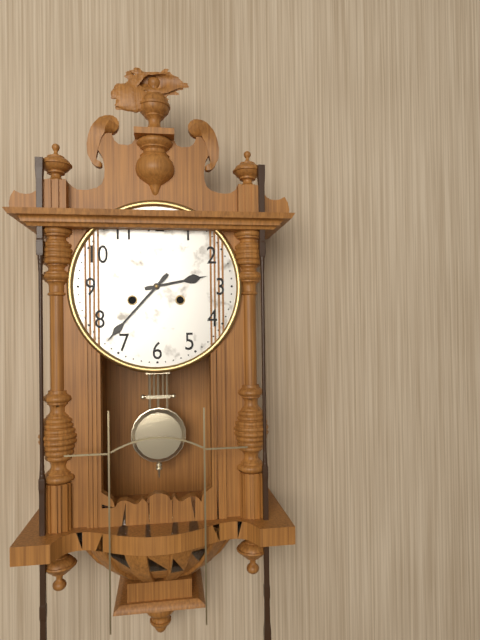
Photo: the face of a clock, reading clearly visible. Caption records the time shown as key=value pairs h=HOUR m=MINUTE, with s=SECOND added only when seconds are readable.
h=2 m=37
